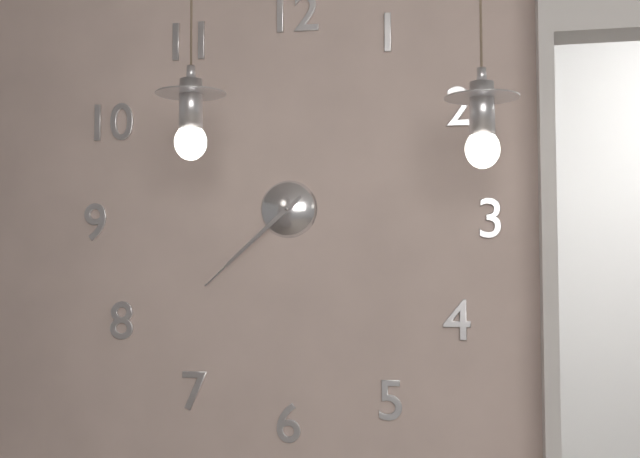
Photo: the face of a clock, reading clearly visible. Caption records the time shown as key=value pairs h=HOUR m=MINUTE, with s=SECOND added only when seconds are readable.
h=7 m=38
